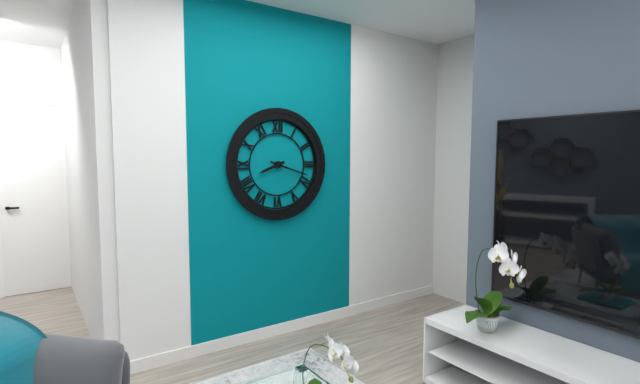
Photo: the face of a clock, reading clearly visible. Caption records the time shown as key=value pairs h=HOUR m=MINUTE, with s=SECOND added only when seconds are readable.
h=8 m=18
